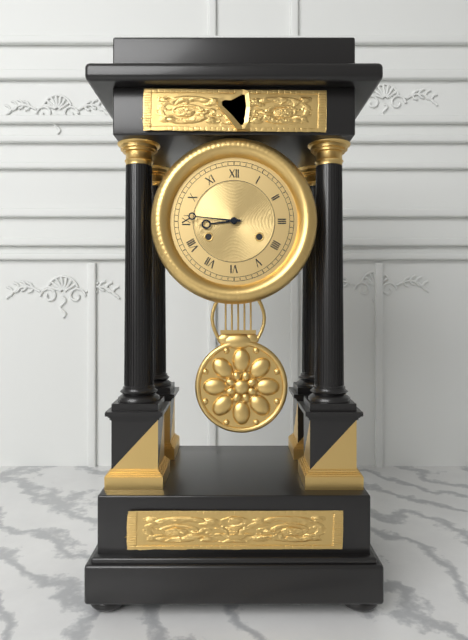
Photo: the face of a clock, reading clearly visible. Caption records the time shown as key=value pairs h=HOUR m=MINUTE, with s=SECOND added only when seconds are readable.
h=8 m=46
